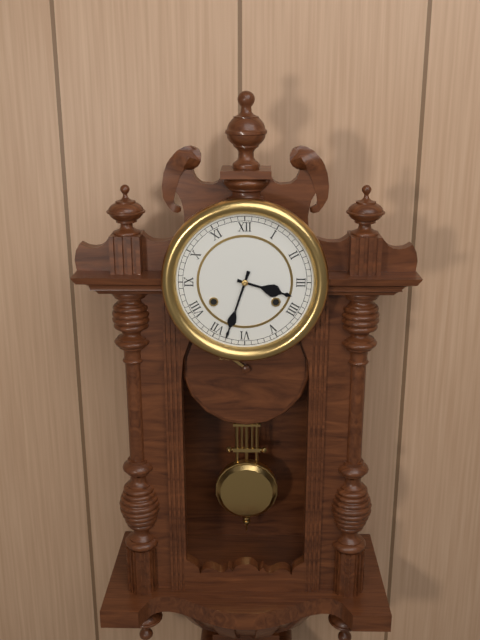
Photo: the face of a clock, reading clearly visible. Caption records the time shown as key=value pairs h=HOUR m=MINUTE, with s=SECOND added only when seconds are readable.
h=3 m=33
